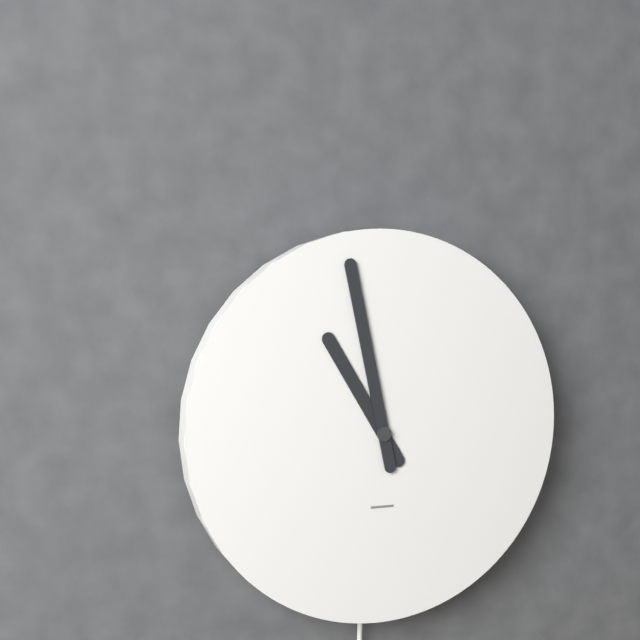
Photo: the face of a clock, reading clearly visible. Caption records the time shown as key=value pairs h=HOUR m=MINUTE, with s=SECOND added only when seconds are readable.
h=10 m=58
